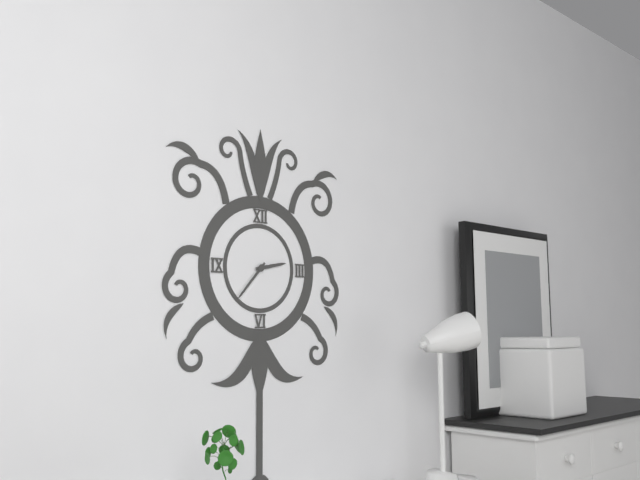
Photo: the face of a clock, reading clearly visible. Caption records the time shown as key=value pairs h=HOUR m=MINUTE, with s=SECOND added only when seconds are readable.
h=2 m=37
